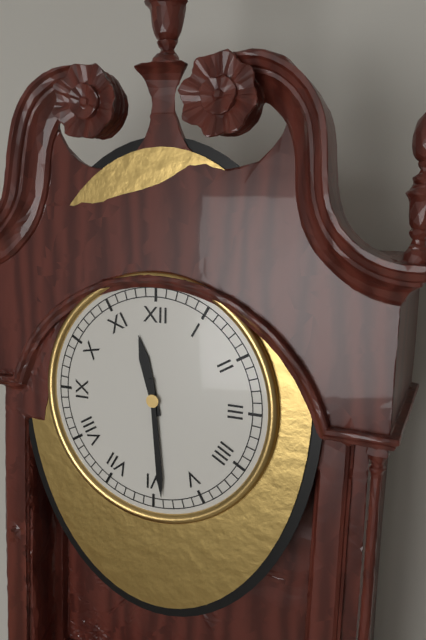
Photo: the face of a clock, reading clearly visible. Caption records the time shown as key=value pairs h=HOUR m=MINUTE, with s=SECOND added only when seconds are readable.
h=11 m=29
